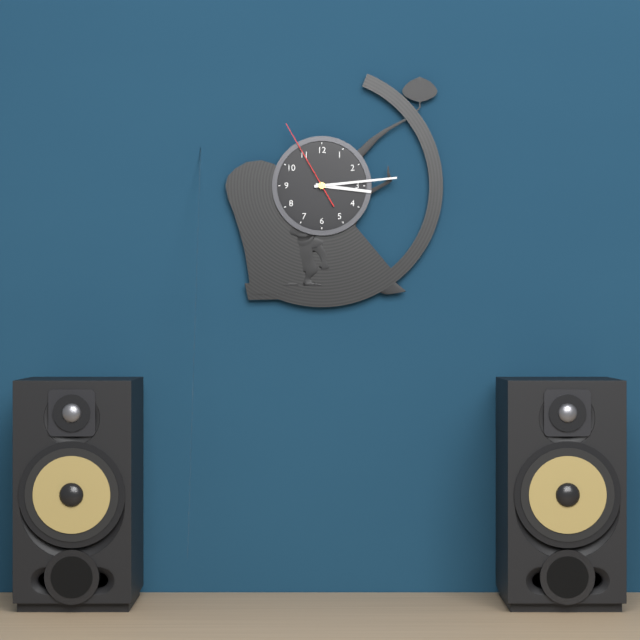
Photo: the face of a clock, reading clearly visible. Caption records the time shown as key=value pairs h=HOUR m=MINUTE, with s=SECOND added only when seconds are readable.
h=3 m=14 s=55
